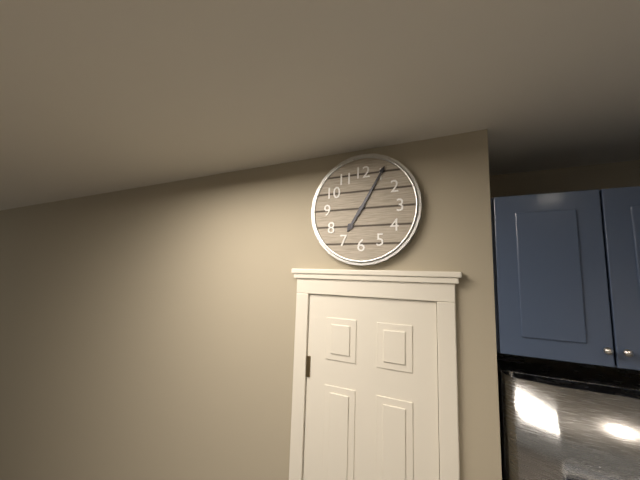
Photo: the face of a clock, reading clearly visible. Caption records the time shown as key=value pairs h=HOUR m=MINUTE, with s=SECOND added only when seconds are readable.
h=7 m=5
